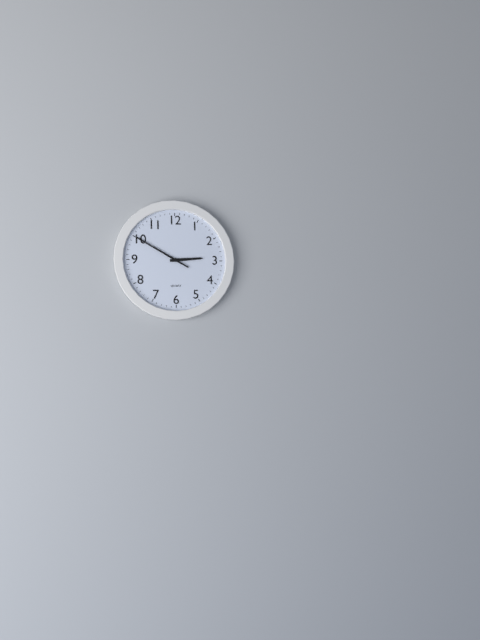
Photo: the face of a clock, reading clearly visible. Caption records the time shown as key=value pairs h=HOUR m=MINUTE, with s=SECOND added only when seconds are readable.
h=2 m=50
